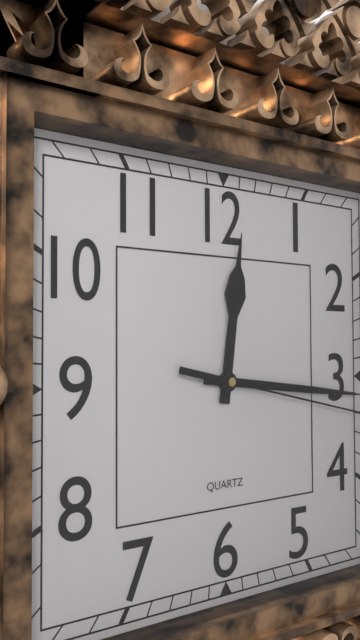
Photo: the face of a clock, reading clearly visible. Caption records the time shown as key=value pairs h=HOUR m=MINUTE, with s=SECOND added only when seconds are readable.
h=12 m=16
